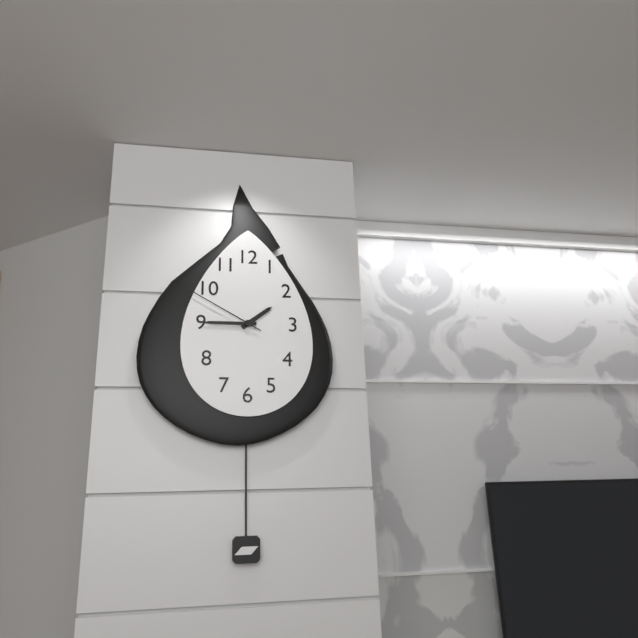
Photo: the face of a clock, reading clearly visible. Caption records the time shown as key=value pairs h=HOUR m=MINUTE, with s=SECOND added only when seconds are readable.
h=1 m=45 s=50
